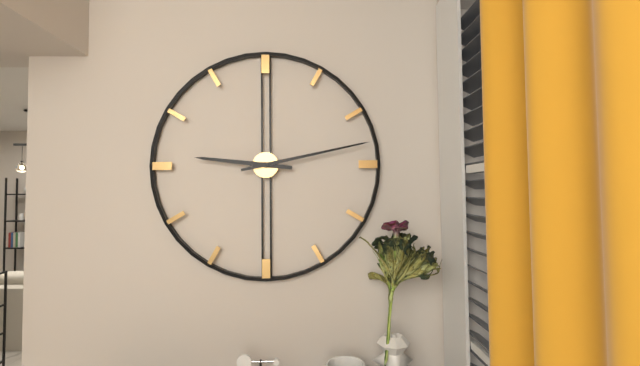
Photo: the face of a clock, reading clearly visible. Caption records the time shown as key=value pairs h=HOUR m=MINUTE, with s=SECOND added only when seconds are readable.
h=9 m=13
